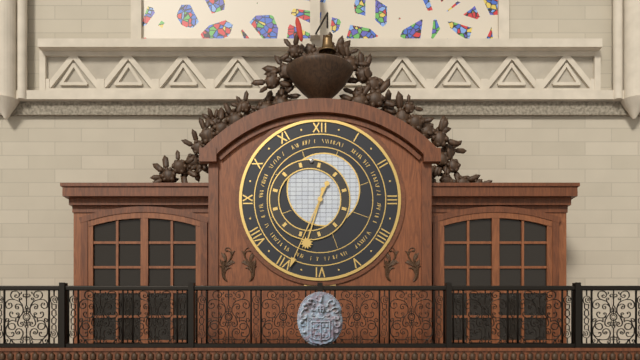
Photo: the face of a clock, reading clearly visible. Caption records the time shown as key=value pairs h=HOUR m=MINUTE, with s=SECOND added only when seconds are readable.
h=6 m=34
